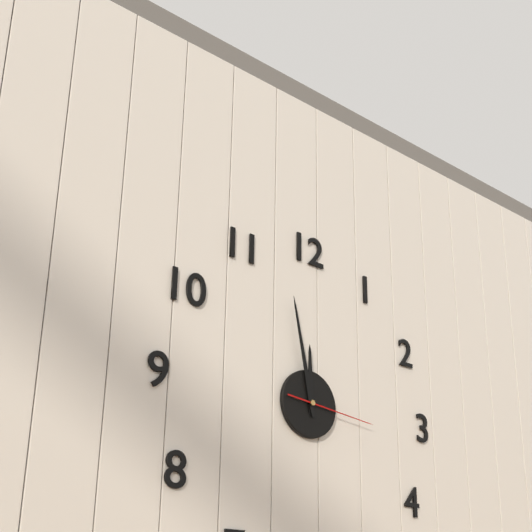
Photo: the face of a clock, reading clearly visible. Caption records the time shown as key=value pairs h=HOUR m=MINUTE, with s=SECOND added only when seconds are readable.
h=11 m=58 s=16
